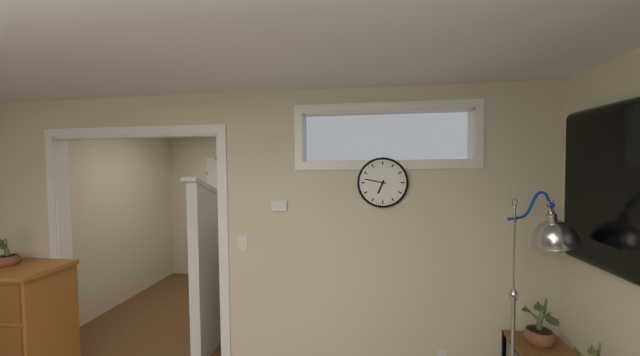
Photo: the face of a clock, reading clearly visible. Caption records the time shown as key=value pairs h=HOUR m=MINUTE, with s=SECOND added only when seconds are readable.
h=6 m=47
